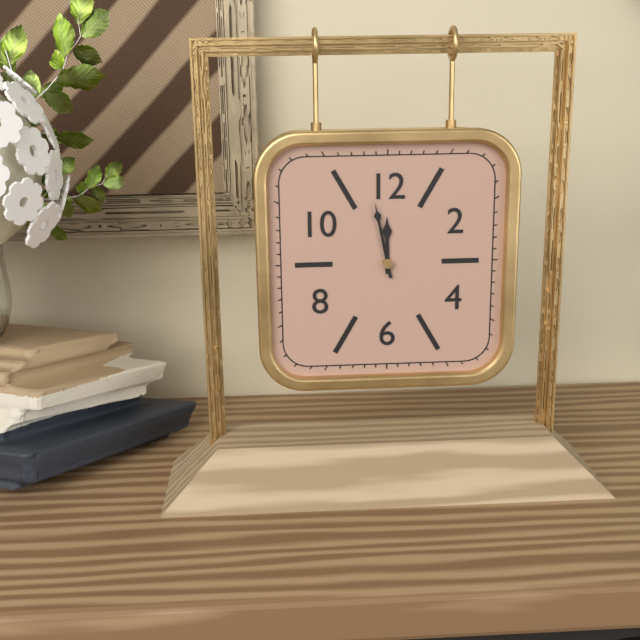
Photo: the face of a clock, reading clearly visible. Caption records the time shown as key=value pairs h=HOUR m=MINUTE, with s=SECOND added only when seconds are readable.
h=11 m=58
